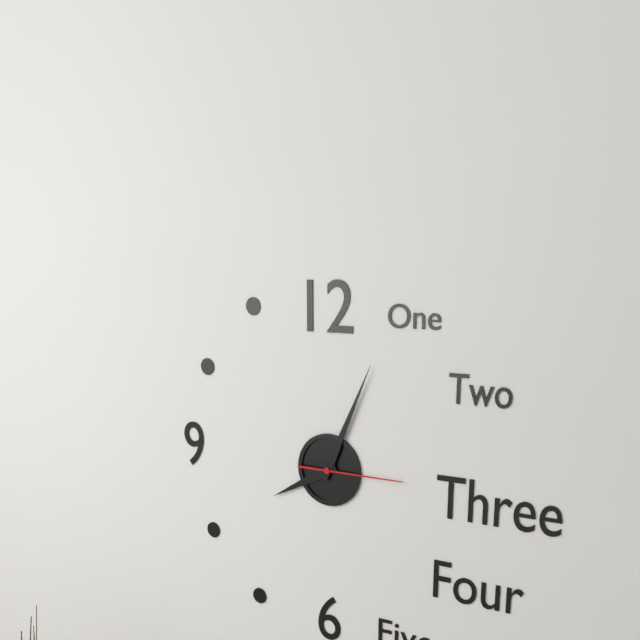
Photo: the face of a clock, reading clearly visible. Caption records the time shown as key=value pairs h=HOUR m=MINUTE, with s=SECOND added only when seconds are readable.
h=8 m=4 s=15
